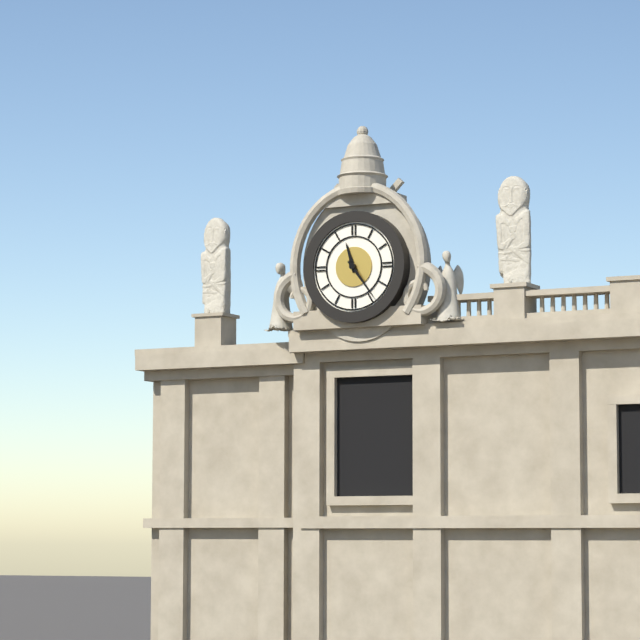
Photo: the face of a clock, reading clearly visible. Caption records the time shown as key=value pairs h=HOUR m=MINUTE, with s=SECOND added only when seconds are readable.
h=11 m=24
